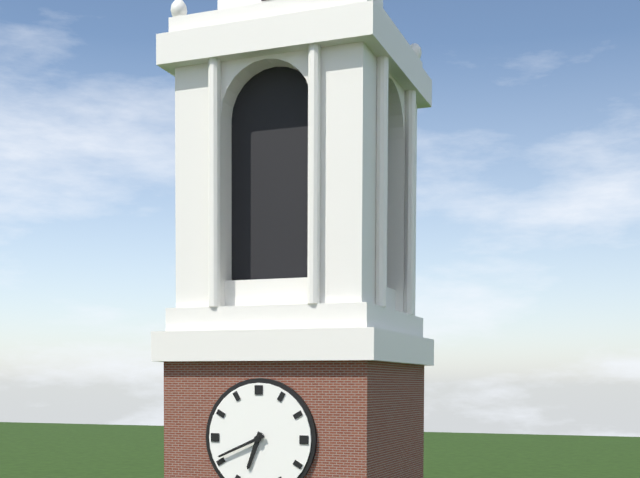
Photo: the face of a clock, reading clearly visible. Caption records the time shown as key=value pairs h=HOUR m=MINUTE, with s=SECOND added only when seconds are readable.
h=6 m=41
